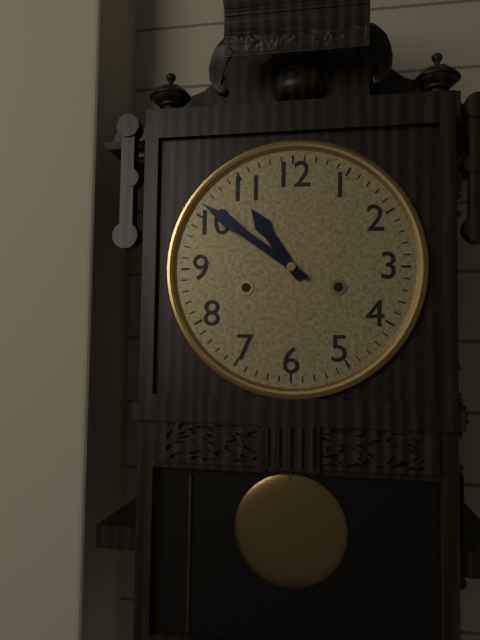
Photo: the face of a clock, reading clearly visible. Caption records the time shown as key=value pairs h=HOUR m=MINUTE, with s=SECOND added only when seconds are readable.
h=10 m=51
